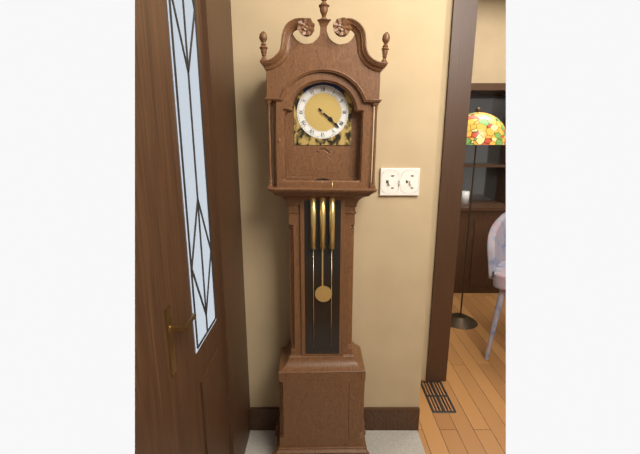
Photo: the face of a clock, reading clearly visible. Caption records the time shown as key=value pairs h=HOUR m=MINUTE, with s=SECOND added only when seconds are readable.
h=4 m=22
